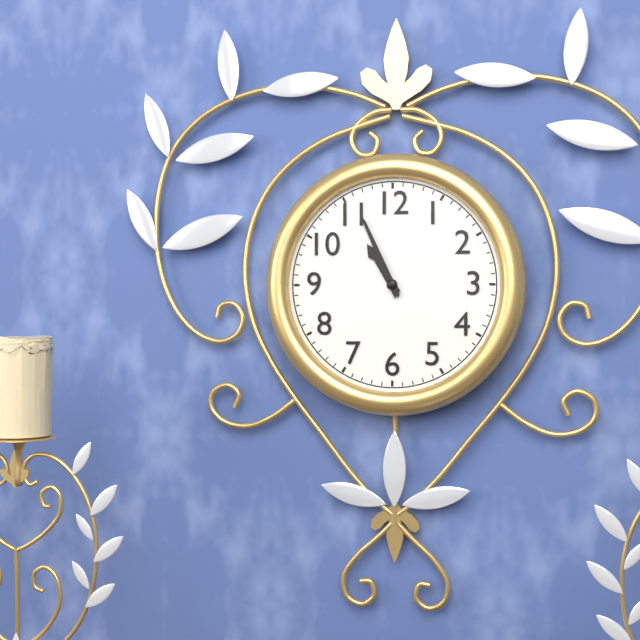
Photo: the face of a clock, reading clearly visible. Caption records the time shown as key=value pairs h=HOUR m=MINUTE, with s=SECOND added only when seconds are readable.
h=10 m=56
